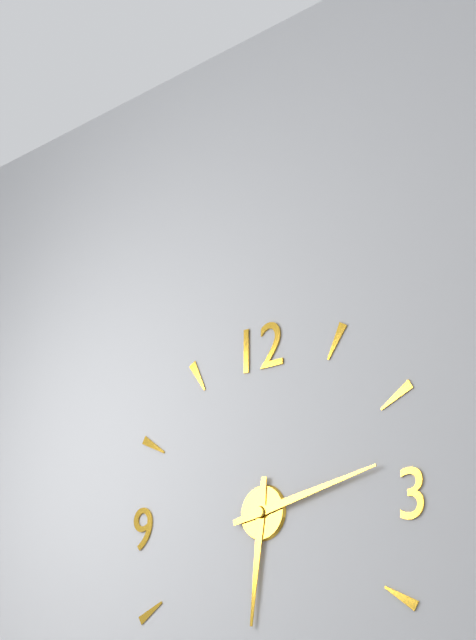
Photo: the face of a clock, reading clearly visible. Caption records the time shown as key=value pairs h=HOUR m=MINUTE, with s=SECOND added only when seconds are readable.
h=6 m=13
